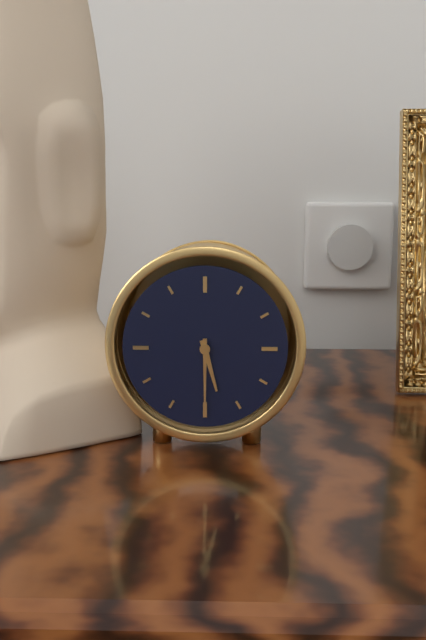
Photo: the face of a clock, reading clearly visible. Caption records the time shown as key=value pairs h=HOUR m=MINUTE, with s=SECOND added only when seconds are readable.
h=5 m=30
